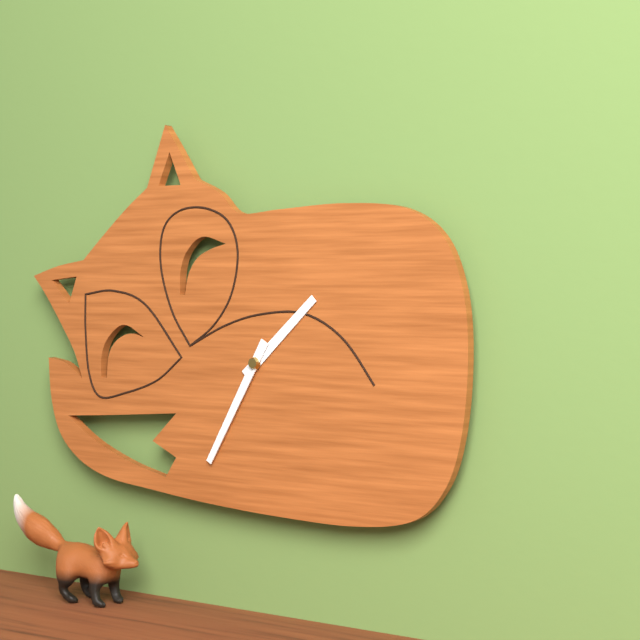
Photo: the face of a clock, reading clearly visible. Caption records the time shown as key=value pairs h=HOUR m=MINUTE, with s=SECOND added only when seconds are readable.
h=1 m=35
